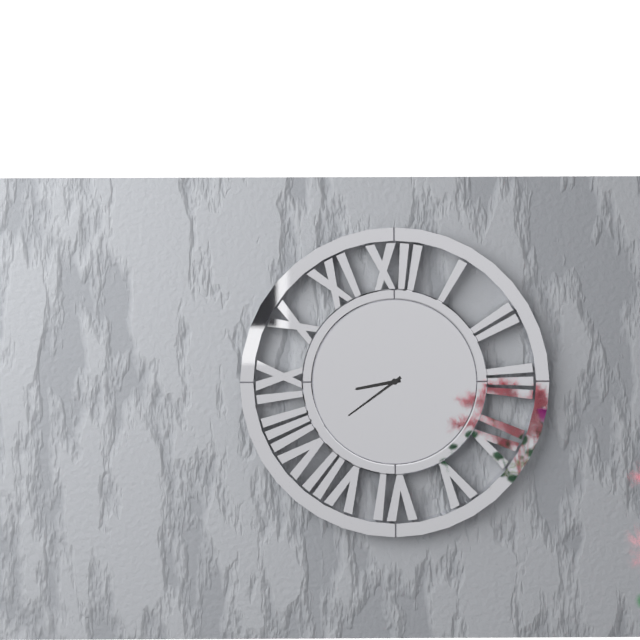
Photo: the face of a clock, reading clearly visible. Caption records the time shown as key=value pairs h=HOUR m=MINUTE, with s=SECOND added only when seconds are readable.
h=8 m=39
